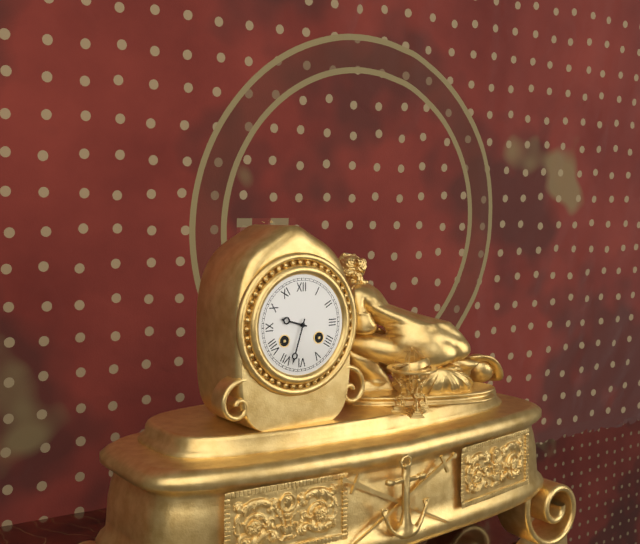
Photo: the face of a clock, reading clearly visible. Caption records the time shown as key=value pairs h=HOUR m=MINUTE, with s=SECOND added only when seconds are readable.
h=9 m=33
